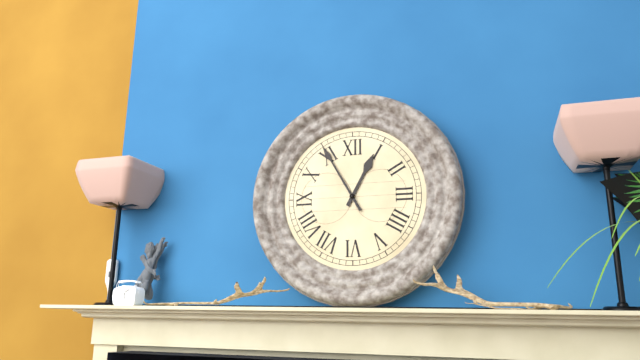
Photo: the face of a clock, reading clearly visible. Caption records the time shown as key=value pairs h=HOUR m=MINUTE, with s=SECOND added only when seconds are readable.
h=12 m=55
